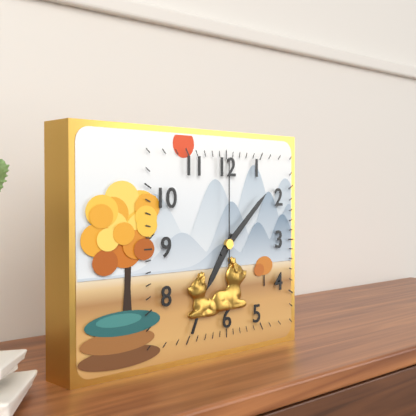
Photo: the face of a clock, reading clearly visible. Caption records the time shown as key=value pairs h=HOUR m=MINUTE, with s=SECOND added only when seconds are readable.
h=7 m=8 s=0
